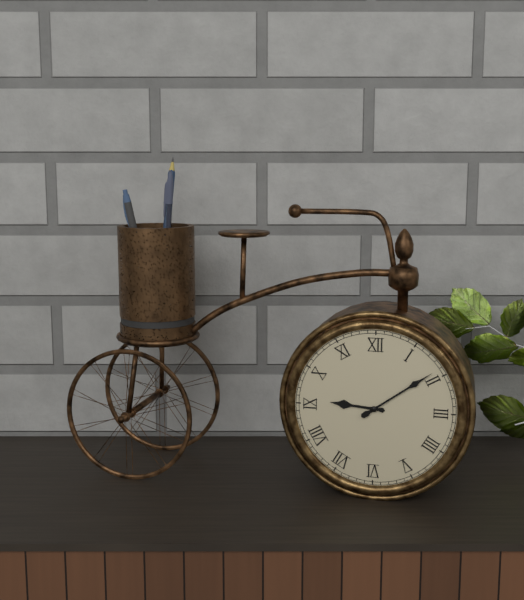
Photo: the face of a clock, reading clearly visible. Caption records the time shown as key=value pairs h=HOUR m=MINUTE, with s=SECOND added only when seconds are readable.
h=9 m=9
